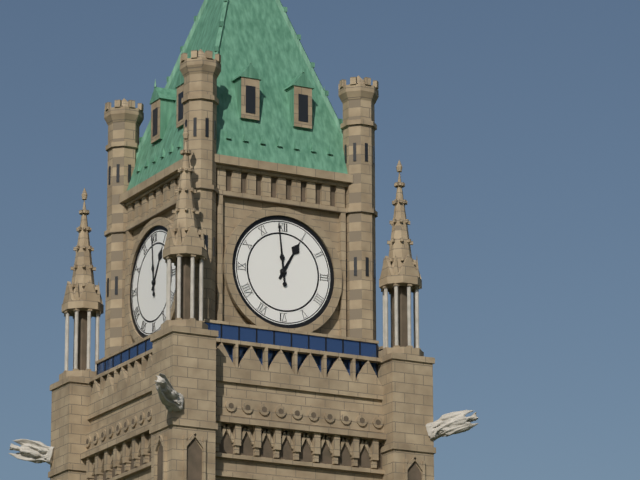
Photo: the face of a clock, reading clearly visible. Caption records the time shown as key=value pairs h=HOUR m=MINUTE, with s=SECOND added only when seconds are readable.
h=12 m=59
